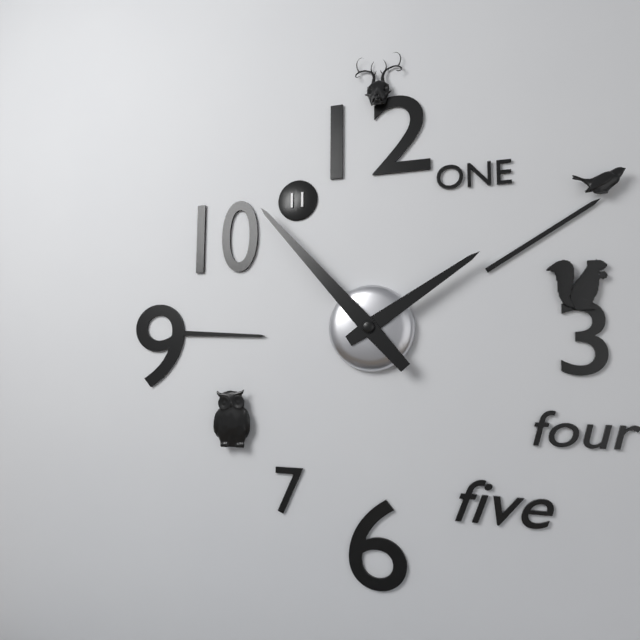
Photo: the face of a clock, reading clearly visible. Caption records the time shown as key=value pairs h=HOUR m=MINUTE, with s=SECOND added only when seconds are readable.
h=1 m=53
